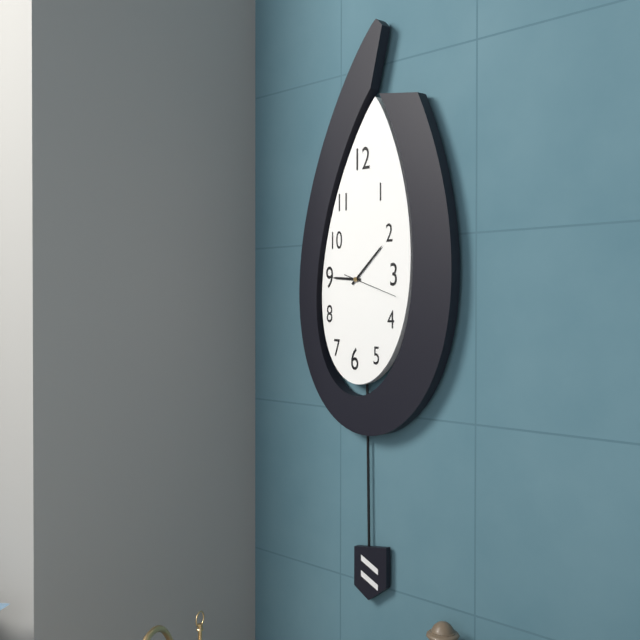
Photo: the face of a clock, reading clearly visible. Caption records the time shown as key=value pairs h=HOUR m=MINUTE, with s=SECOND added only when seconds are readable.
h=9 m=8 s=18
